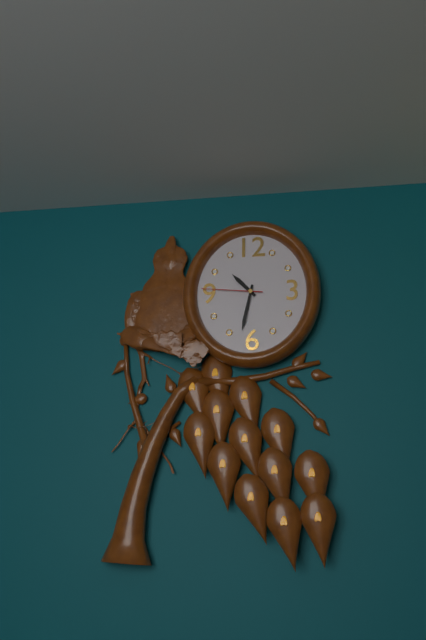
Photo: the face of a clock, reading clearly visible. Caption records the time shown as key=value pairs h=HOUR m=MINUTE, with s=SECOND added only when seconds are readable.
h=10 m=32 s=46
